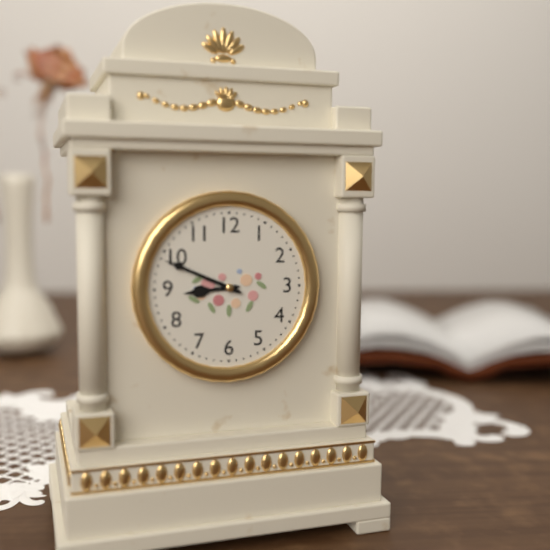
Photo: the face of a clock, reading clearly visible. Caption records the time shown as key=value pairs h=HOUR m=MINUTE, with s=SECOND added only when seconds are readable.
h=8 m=49
